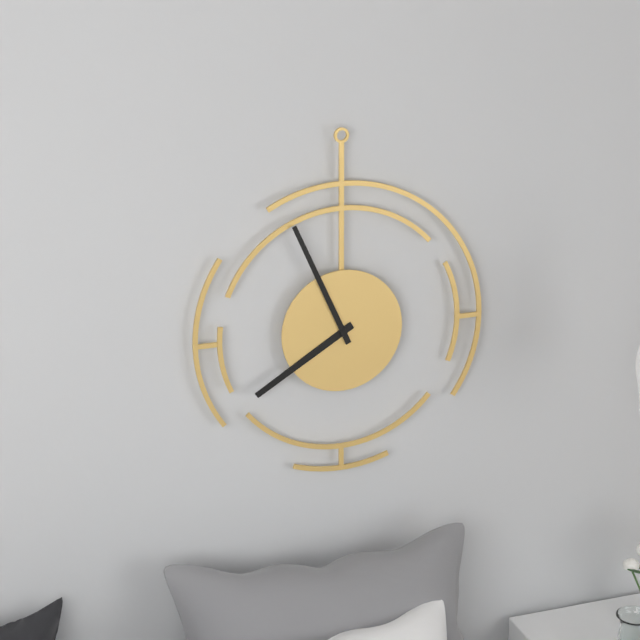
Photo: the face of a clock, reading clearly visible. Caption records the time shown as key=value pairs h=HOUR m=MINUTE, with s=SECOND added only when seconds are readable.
h=7 m=56
